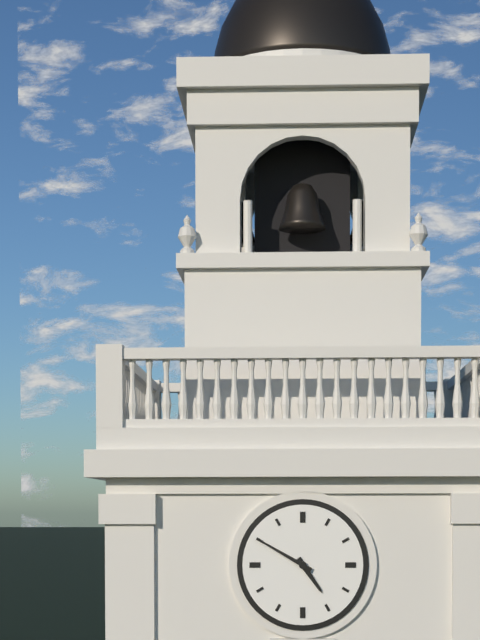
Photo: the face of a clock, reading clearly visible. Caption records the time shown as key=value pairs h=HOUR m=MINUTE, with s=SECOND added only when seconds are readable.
h=4 m=50
